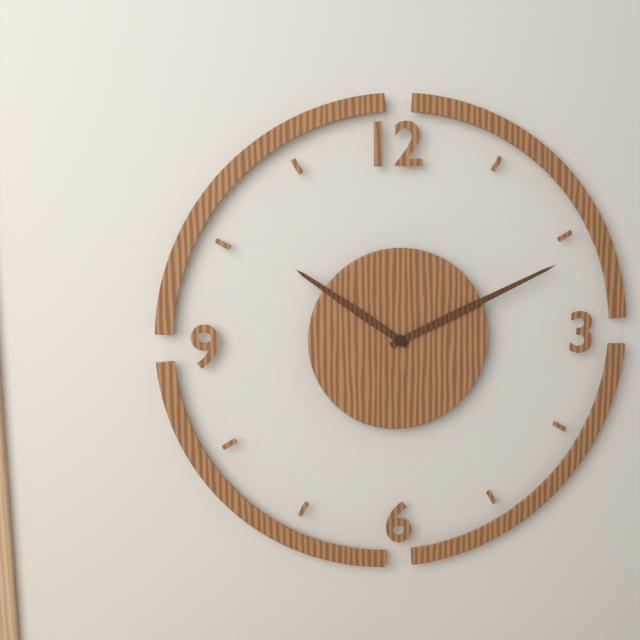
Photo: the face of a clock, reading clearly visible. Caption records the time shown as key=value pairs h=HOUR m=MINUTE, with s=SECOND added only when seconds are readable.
h=10 m=11
